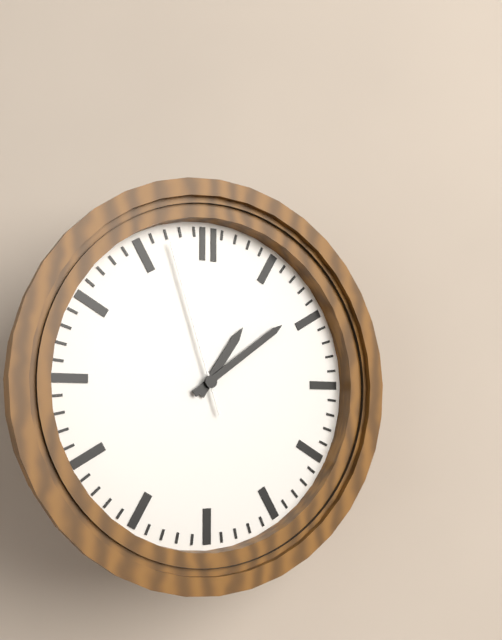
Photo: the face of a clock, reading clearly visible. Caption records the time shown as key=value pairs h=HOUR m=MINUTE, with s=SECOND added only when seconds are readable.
h=1 m=9 s=57
